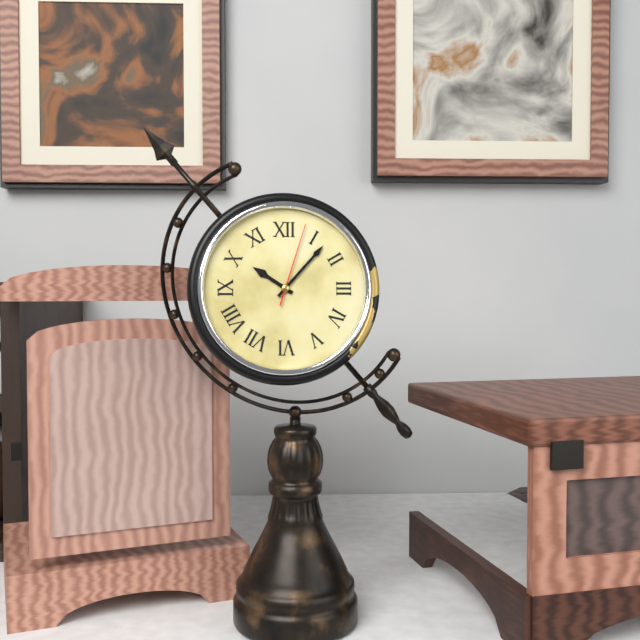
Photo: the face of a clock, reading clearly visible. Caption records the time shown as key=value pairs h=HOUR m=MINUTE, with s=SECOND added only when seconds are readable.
h=10 m=7 s=3
